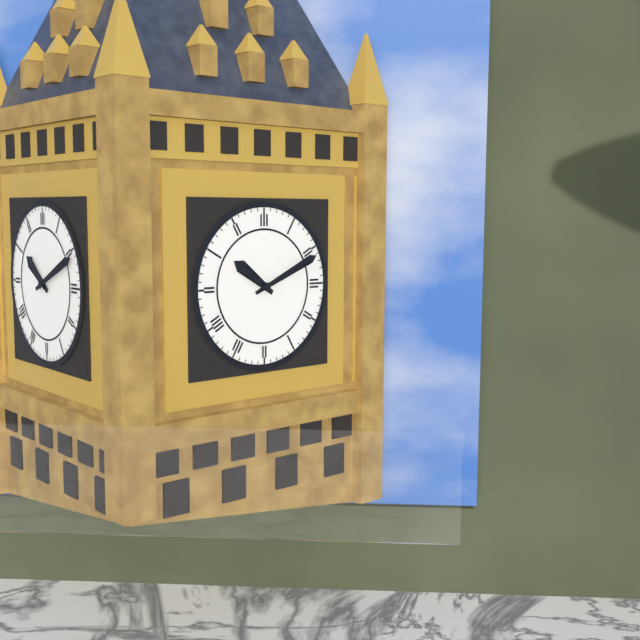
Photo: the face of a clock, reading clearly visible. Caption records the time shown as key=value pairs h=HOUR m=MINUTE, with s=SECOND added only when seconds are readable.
h=10 m=11
